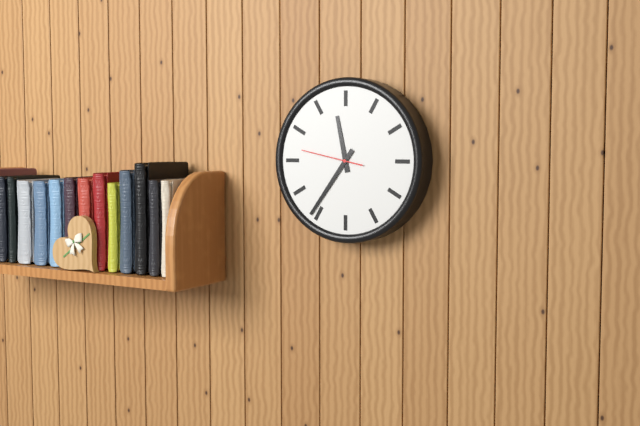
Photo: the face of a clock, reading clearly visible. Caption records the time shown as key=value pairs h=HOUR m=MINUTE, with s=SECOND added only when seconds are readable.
h=11 m=36 s=47
